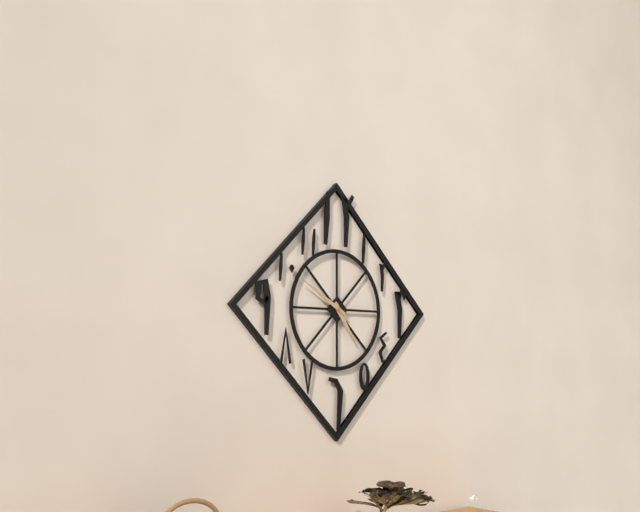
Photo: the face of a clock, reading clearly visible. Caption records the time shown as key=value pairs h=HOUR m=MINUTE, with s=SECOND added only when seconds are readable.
h=4 m=50
